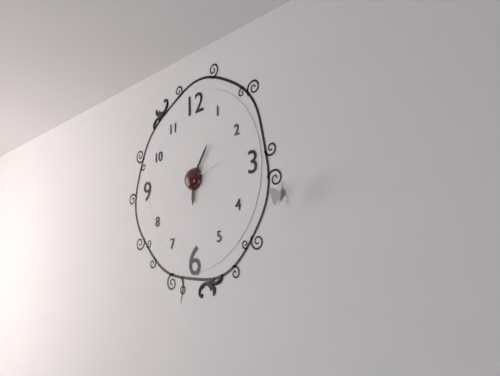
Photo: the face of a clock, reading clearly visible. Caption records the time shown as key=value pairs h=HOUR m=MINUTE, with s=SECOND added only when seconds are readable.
h=6 m=6
